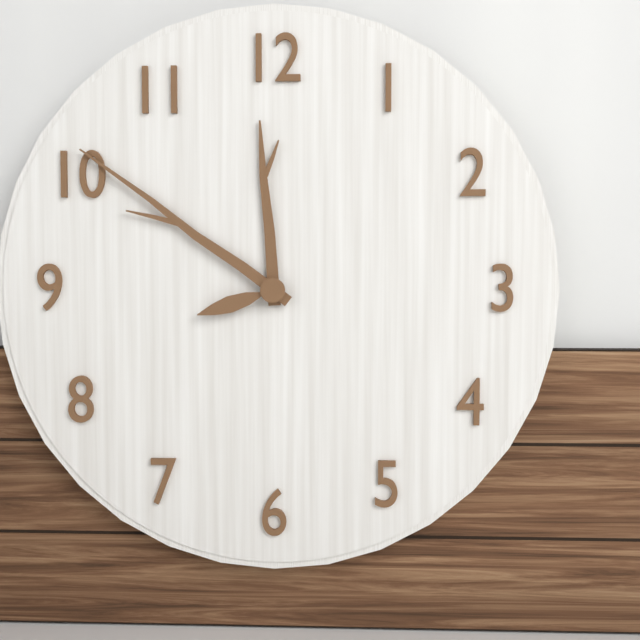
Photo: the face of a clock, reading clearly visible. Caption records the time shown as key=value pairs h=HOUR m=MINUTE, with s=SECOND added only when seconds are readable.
h=11 m=51 s=42
